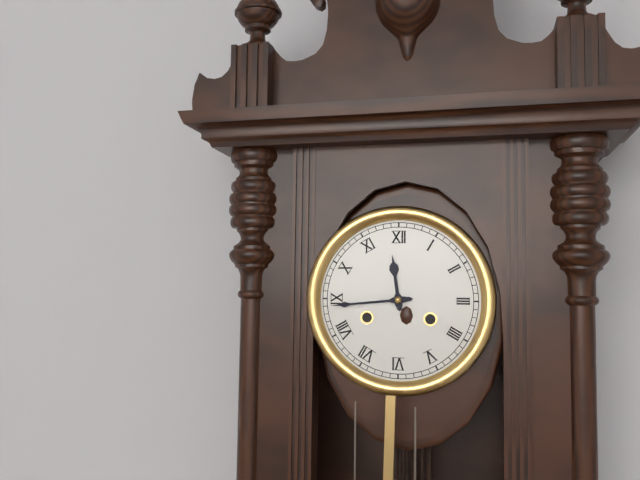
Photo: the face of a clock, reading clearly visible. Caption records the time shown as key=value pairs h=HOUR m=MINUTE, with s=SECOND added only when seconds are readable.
h=11 m=44
